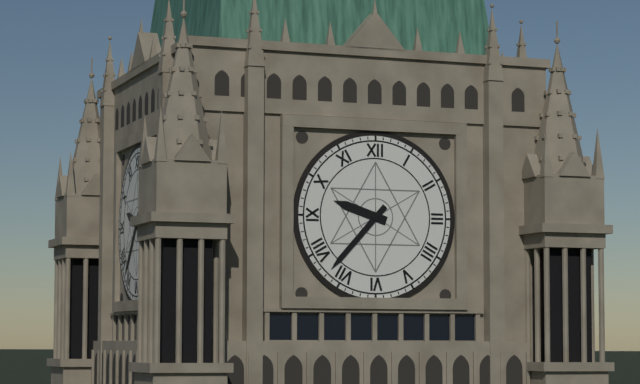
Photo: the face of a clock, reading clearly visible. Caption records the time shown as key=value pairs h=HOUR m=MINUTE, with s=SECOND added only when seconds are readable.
h=9 m=37
